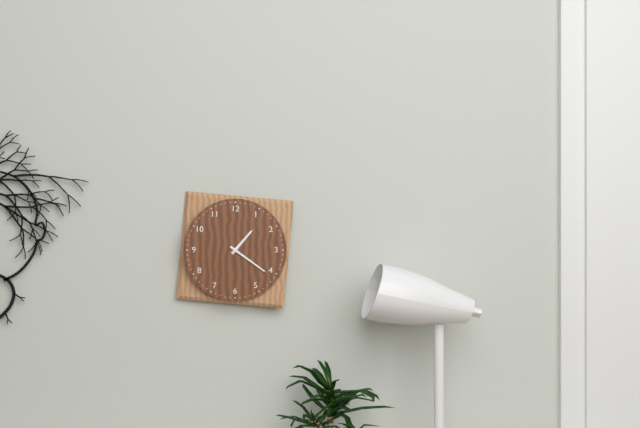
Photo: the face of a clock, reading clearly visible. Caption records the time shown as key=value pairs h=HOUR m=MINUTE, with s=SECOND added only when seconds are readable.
h=1 m=21
